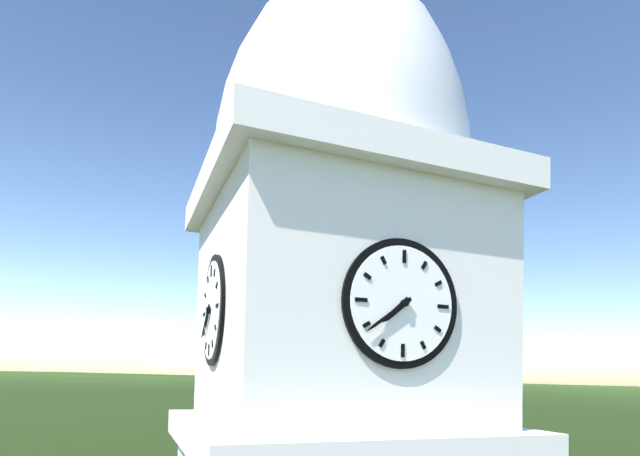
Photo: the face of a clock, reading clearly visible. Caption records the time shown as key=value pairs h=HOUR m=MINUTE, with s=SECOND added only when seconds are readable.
h=7 m=39
